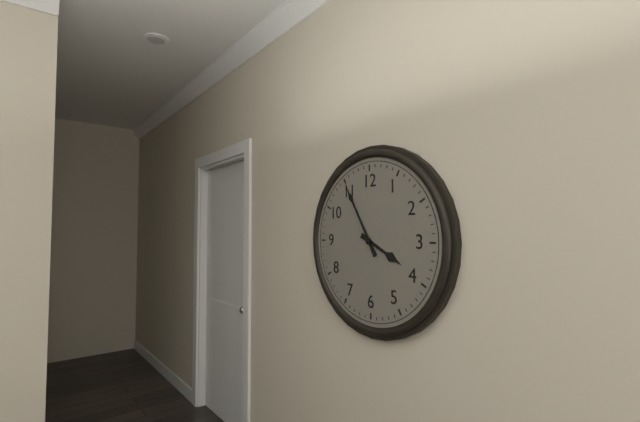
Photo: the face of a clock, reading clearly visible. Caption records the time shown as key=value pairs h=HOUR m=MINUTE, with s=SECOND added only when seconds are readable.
h=3 m=55
